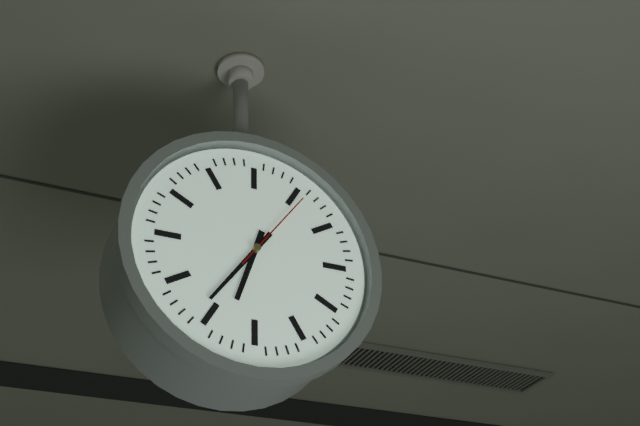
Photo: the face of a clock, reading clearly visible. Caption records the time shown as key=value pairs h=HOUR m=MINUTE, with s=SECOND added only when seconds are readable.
h=6 m=36 s=6
